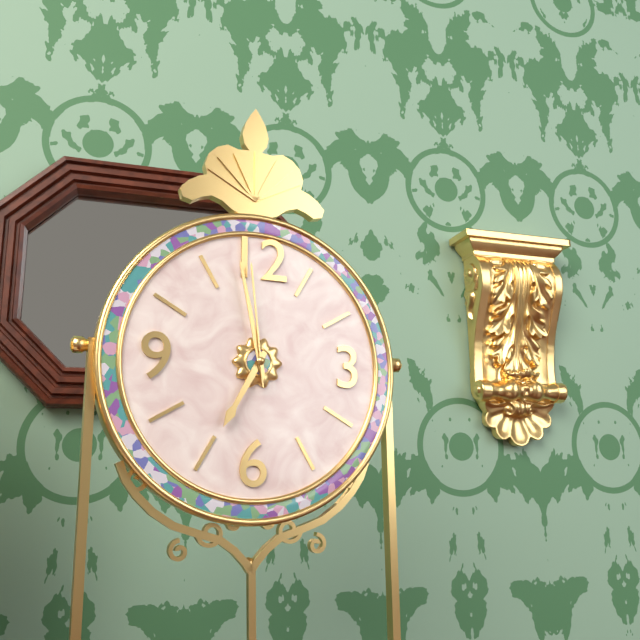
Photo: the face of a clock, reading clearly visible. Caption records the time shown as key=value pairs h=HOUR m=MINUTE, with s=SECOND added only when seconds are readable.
h=6 m=58 s=59
